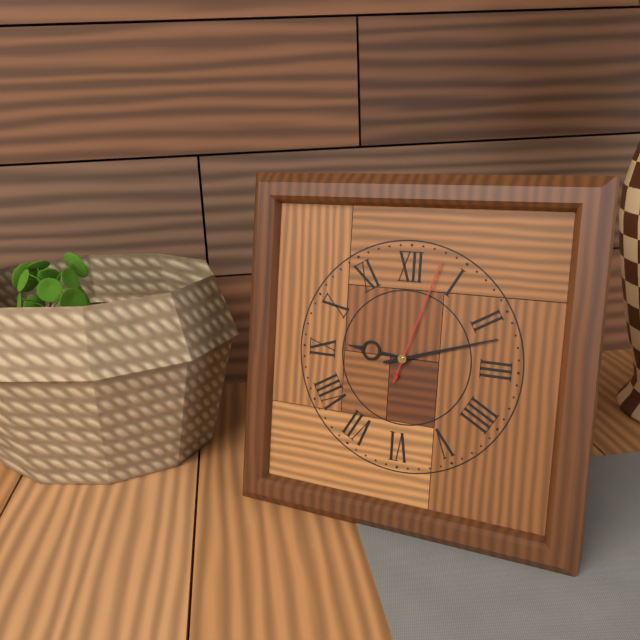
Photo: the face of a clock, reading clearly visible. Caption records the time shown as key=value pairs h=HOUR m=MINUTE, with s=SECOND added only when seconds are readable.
h=9 m=12 s=3
